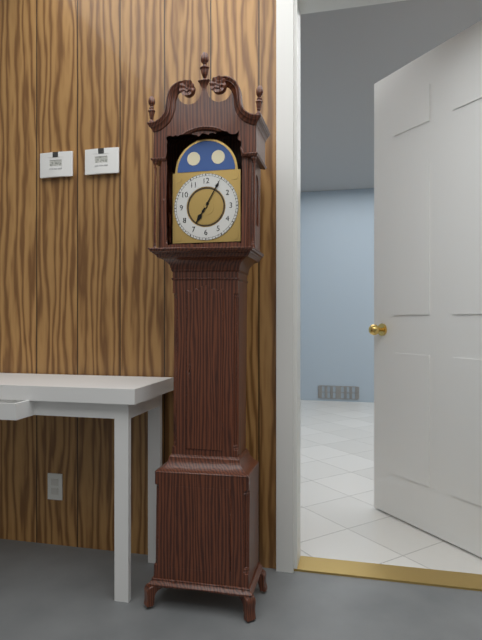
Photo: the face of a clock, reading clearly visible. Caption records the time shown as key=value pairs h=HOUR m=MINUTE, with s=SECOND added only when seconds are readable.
h=7 m=5
